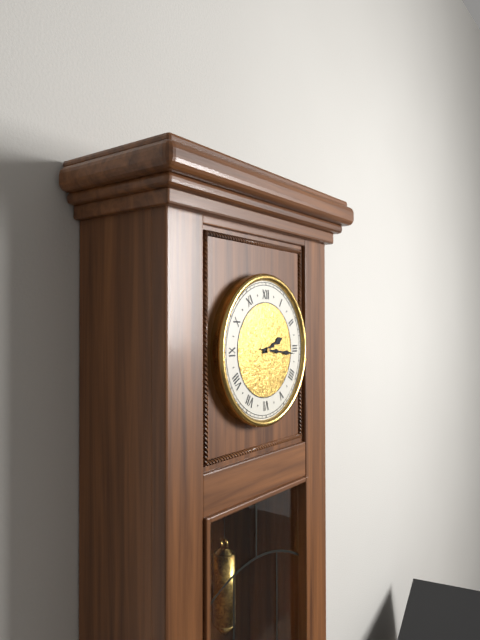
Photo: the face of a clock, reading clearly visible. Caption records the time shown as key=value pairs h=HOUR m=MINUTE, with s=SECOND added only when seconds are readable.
h=2 m=16
